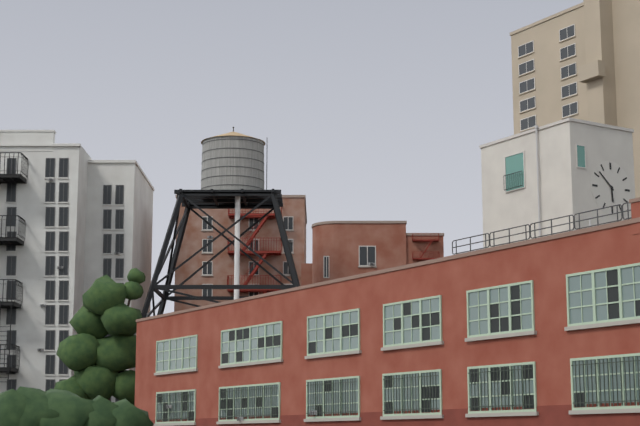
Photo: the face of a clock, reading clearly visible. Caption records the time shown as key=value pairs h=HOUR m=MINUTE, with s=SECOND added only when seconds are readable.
h=5 m=52
